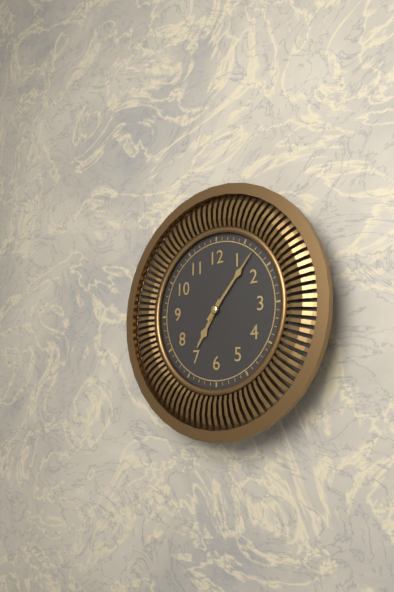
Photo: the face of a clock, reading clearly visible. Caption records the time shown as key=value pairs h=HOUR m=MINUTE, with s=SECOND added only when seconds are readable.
h=7 m=7
